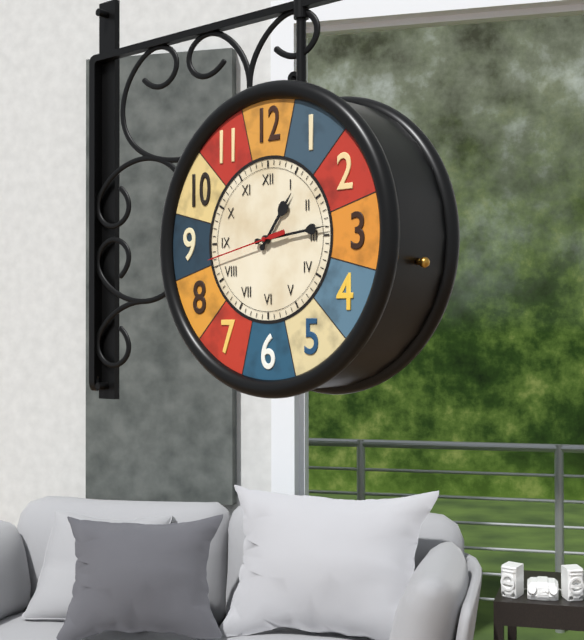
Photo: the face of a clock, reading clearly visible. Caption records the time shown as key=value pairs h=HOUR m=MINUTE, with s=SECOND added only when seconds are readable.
h=1 m=14 s=43
